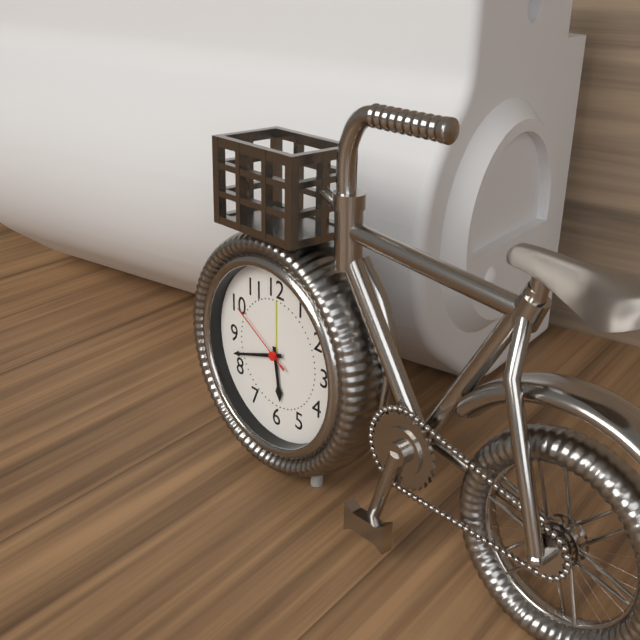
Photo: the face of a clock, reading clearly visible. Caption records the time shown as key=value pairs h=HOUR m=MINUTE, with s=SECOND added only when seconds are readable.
h=5 m=42 s=50
